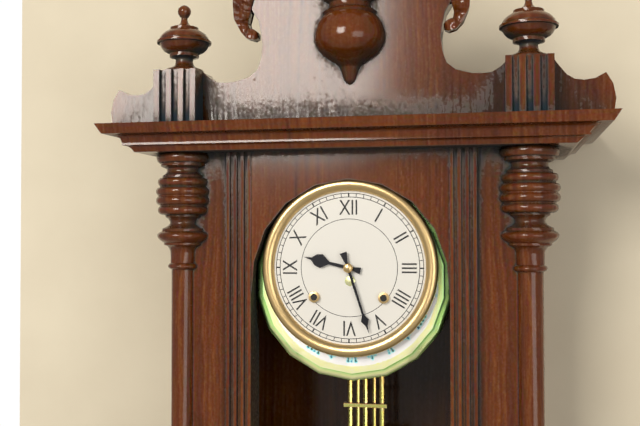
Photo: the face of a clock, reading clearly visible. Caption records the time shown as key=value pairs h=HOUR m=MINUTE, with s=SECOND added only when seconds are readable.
h=9 m=27
